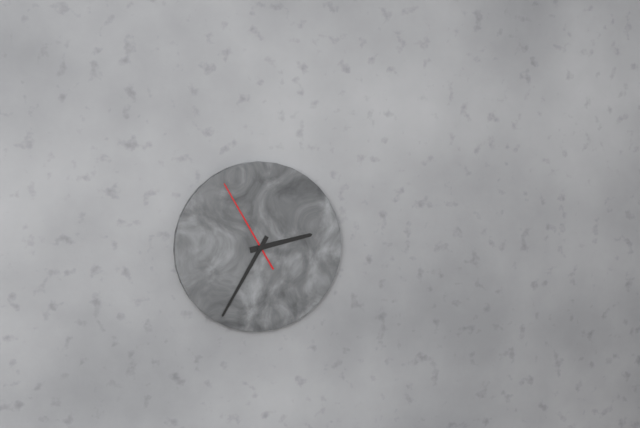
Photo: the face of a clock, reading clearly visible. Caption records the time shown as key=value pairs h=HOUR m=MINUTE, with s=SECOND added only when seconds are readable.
h=2 m=35 s=55
